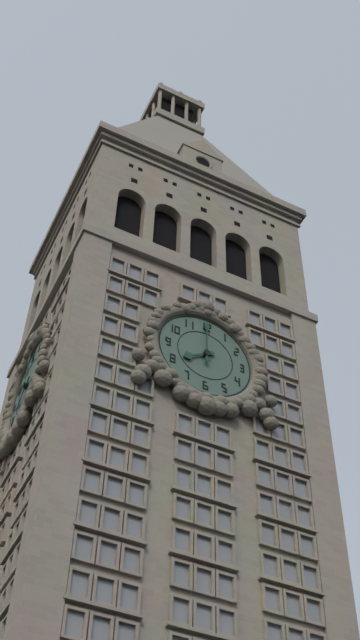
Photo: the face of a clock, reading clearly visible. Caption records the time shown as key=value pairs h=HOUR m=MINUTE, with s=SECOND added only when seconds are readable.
h=8 m=0
